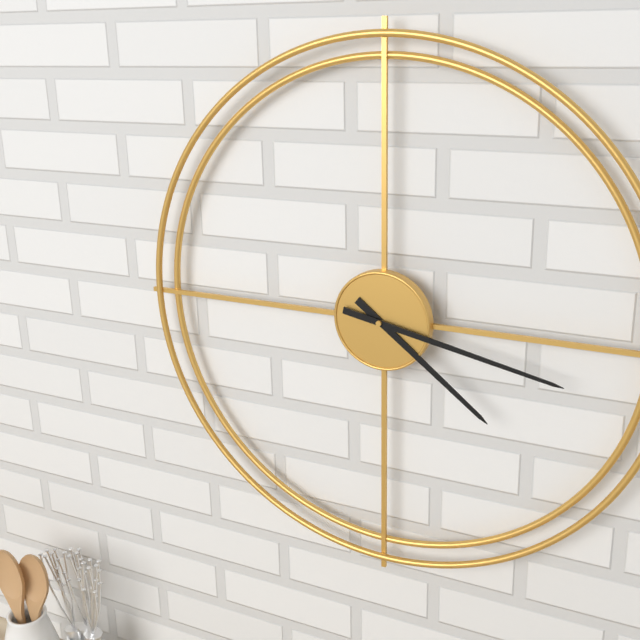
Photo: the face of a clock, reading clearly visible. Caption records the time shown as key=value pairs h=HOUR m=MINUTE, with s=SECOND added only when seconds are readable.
h=4 m=17
